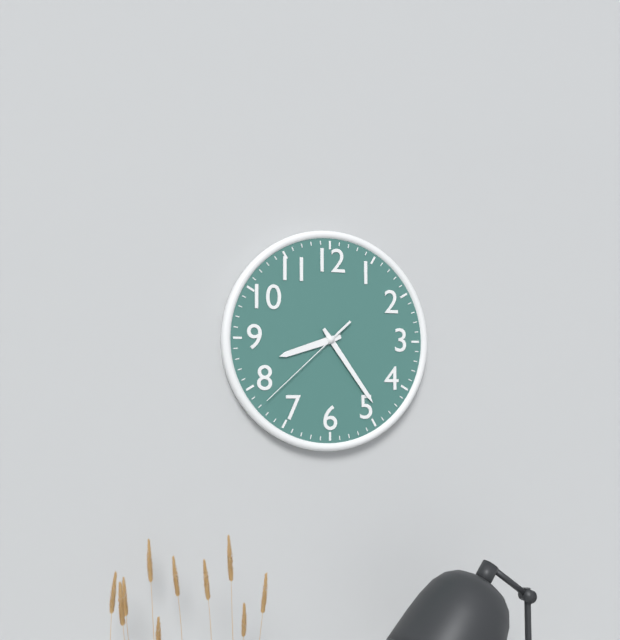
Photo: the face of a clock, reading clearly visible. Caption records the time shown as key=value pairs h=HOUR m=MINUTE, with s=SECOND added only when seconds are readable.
h=8 m=24 s=38
